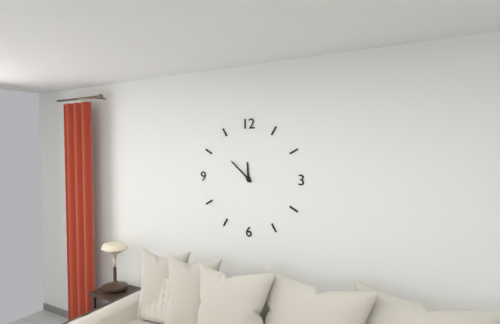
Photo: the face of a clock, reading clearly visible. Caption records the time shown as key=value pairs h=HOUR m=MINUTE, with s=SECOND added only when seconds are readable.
h=11 m=52
